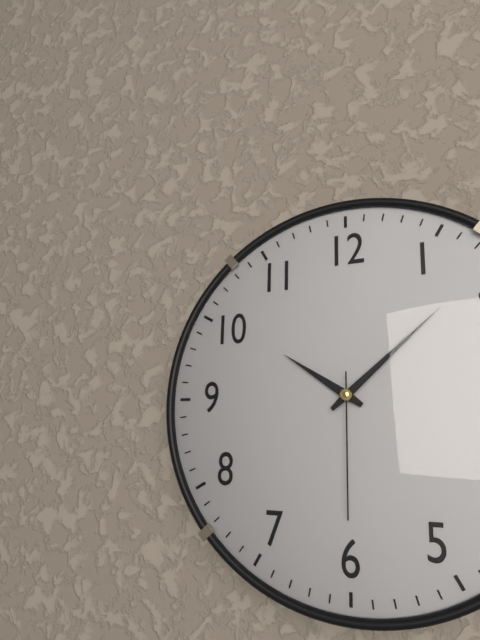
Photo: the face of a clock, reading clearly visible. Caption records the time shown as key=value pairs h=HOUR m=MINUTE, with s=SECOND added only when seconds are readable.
h=10 m=8 s=30
